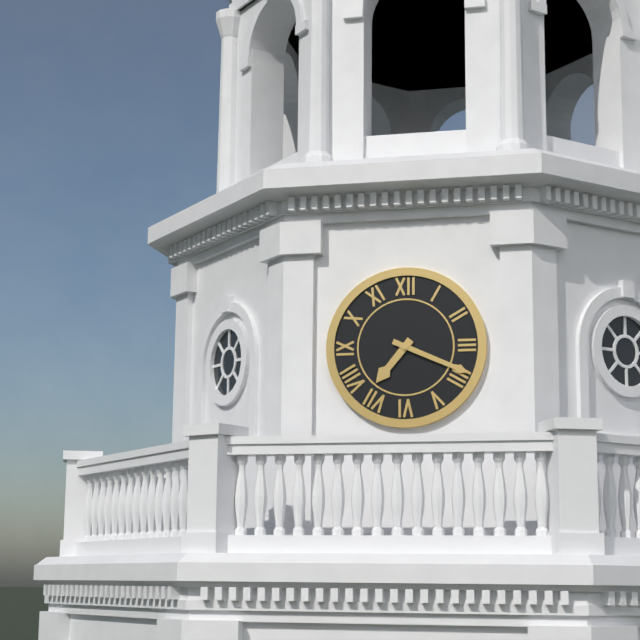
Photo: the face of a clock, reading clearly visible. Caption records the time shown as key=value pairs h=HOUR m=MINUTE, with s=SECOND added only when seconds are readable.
h=7 m=19
